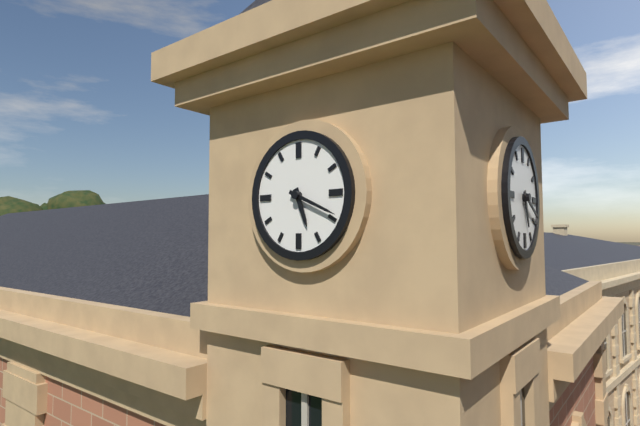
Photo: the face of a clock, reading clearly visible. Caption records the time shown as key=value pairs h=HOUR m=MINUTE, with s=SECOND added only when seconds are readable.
h=5 m=19
